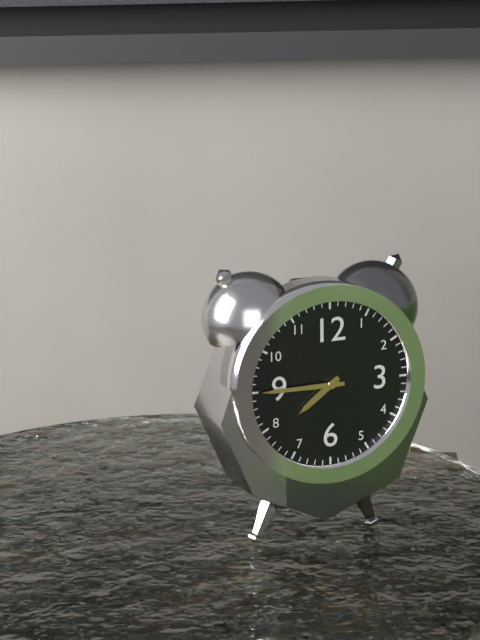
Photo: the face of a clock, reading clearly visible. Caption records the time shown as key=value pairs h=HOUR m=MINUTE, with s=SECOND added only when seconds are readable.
h=7 m=45
